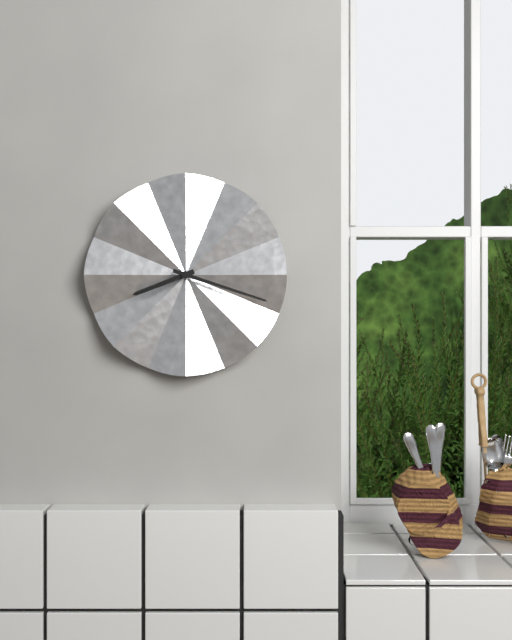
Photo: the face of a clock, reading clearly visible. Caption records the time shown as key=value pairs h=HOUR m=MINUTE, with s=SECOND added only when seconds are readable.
h=8 m=18
